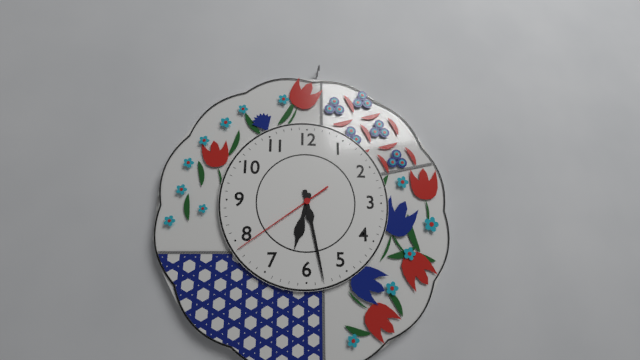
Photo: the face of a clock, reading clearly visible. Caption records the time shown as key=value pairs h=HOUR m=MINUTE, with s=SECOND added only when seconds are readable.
h=6 m=28 s=39
